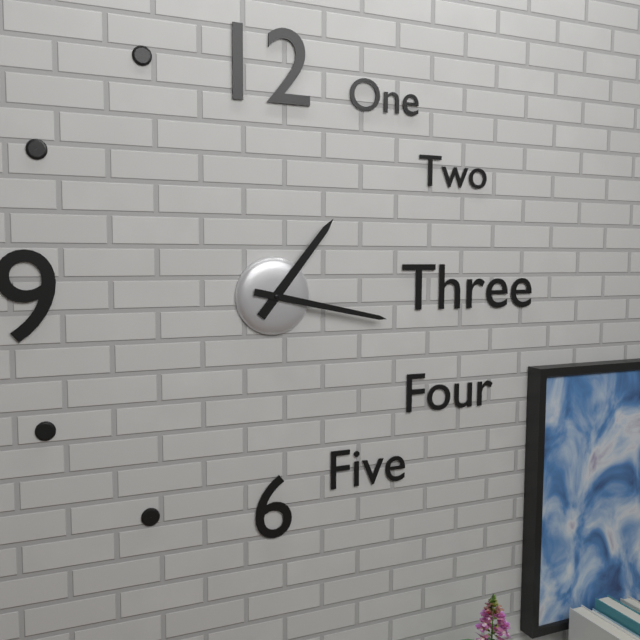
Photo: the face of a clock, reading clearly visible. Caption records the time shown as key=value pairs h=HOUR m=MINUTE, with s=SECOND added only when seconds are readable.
h=1 m=17
